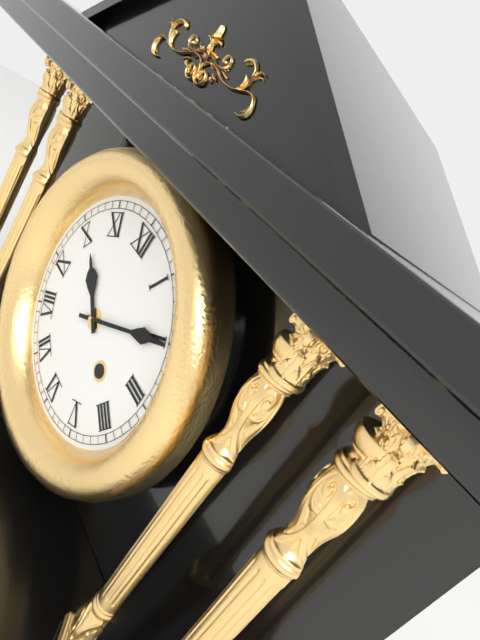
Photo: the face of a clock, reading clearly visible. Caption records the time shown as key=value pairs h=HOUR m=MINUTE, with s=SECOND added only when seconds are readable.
h=10 m=10
